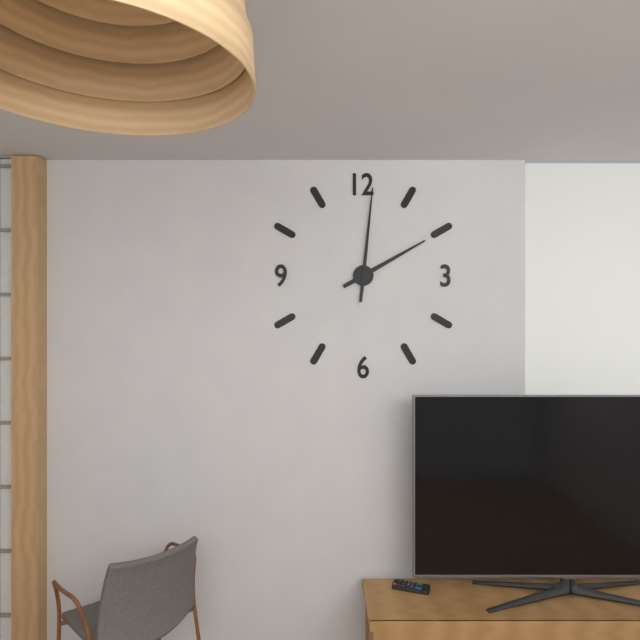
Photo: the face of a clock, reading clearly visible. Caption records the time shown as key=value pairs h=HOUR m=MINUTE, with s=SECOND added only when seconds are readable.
h=2 m=1
